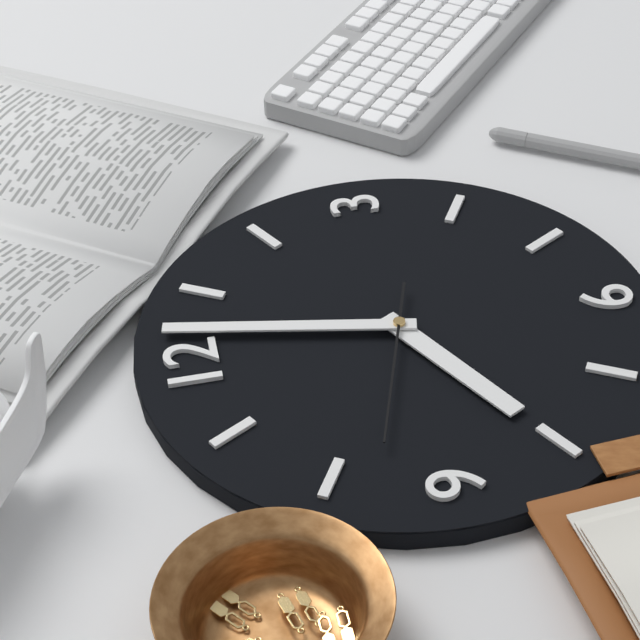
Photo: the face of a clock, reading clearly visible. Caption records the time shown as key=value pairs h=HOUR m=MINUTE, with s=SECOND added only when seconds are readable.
h=8 m=2 s=48
